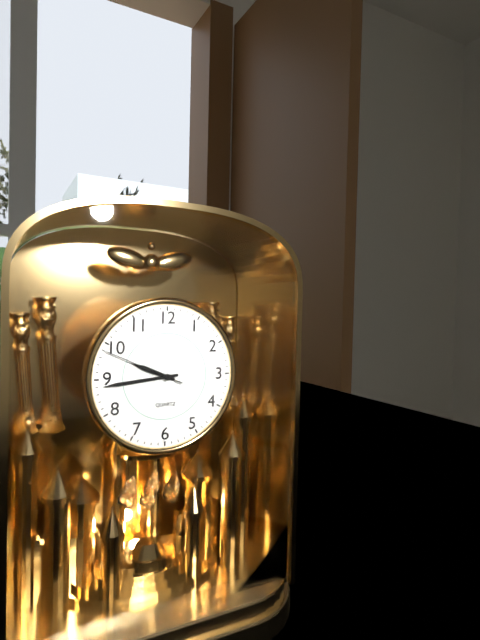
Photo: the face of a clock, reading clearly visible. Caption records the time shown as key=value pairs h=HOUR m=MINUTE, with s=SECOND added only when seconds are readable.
h=9 m=44 s=49
